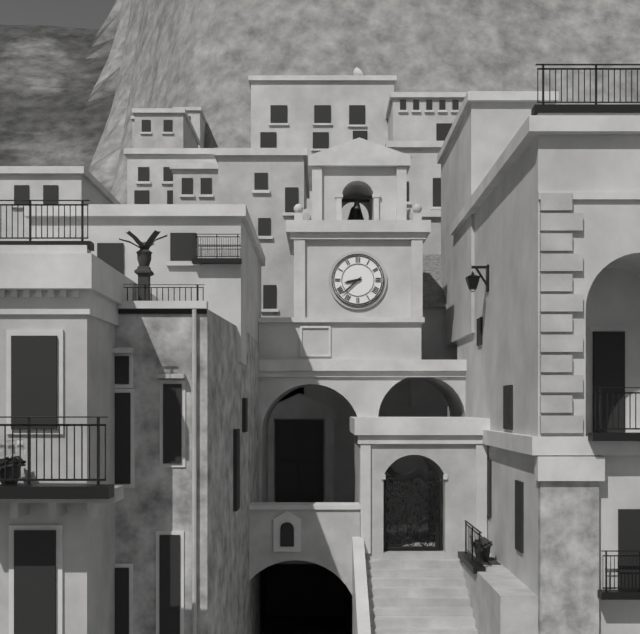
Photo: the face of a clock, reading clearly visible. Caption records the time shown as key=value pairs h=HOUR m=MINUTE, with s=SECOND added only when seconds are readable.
h=8 m=38
